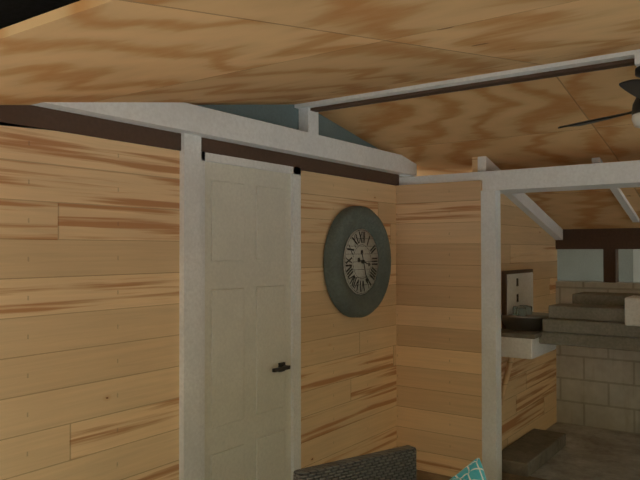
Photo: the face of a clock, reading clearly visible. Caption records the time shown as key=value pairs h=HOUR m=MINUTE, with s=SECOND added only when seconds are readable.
h=3 m=27
